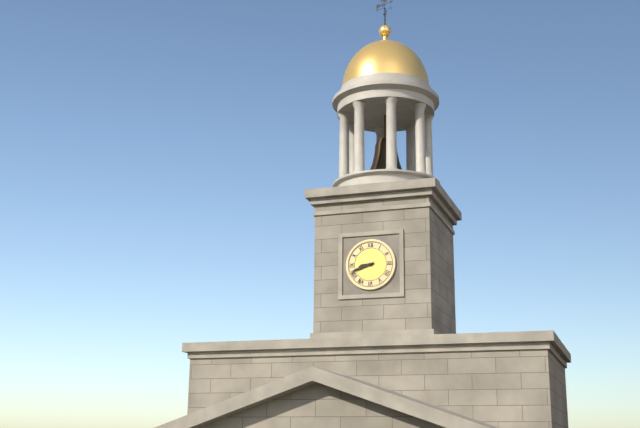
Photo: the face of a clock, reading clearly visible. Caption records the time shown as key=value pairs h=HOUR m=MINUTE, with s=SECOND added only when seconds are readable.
h=8 m=42
